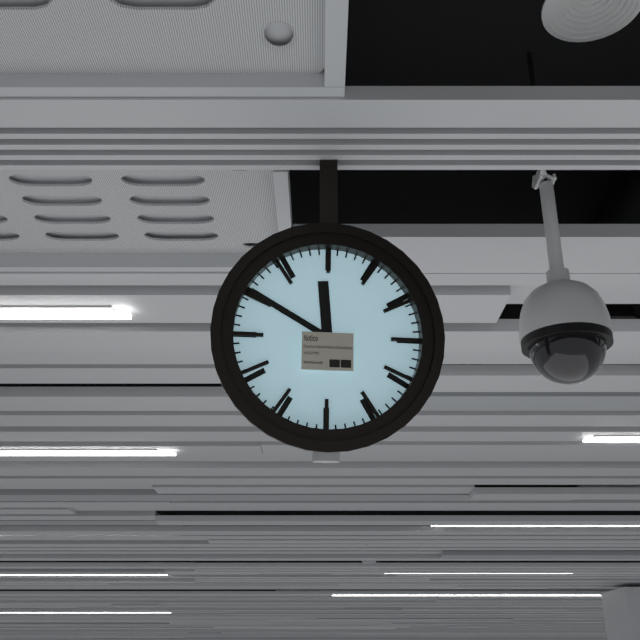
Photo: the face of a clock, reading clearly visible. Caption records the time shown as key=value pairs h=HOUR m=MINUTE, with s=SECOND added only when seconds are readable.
h=11 m=50
